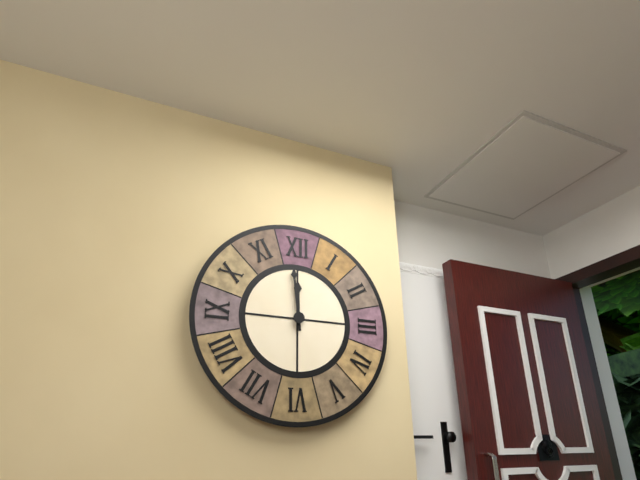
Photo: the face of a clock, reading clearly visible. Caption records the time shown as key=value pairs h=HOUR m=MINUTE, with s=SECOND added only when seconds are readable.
h=11 m=59
